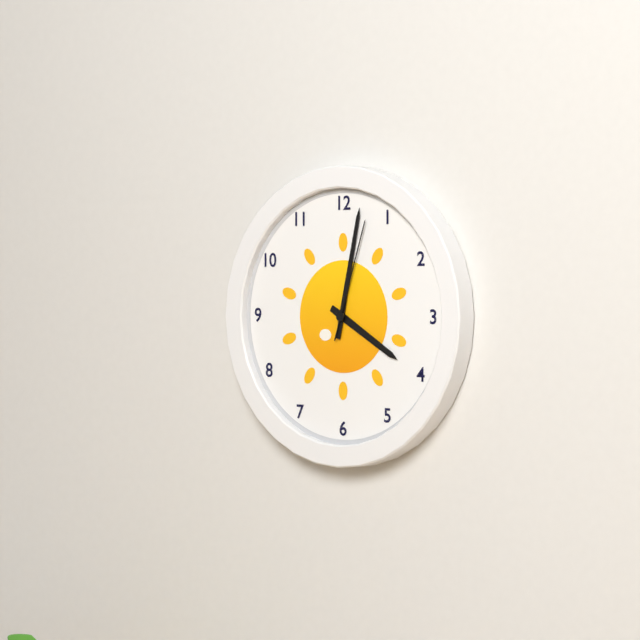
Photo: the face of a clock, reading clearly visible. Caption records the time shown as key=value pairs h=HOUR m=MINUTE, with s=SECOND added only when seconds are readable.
h=4 m=2 s=3
